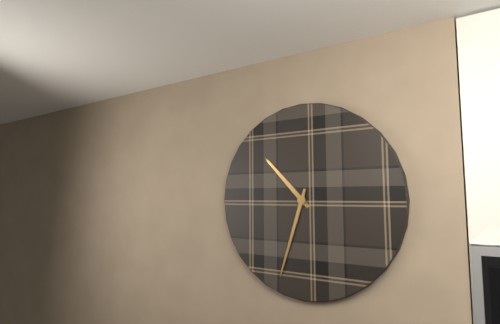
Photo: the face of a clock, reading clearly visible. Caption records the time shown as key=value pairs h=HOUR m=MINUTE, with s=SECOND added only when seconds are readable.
h=10 m=33
